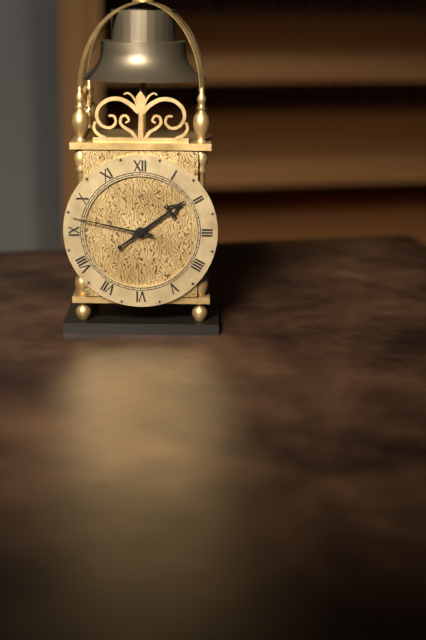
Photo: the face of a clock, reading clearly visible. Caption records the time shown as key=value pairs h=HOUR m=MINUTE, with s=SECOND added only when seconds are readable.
h=1 m=47
